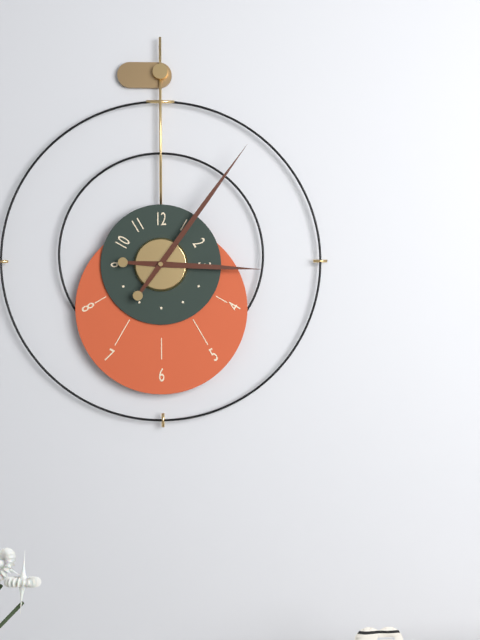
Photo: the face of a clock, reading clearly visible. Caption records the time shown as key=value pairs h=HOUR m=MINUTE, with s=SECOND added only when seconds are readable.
h=3 m=6
